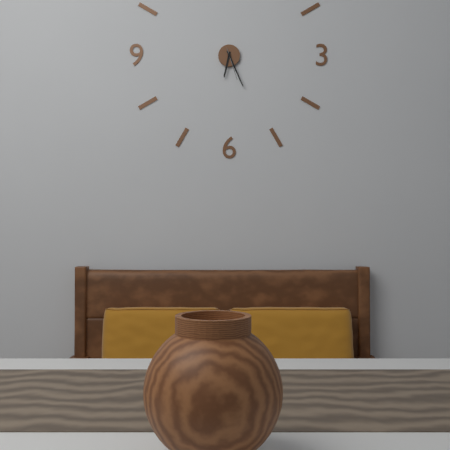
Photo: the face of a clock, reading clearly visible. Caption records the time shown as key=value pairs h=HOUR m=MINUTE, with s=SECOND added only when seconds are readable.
h=6 m=26
